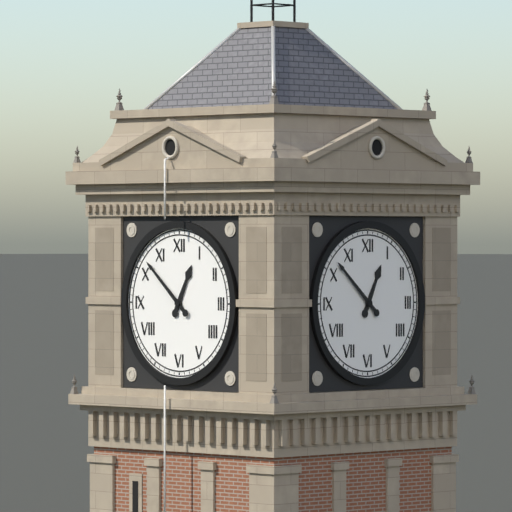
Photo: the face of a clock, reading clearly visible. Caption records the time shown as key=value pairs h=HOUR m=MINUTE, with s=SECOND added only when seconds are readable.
h=12 m=52
